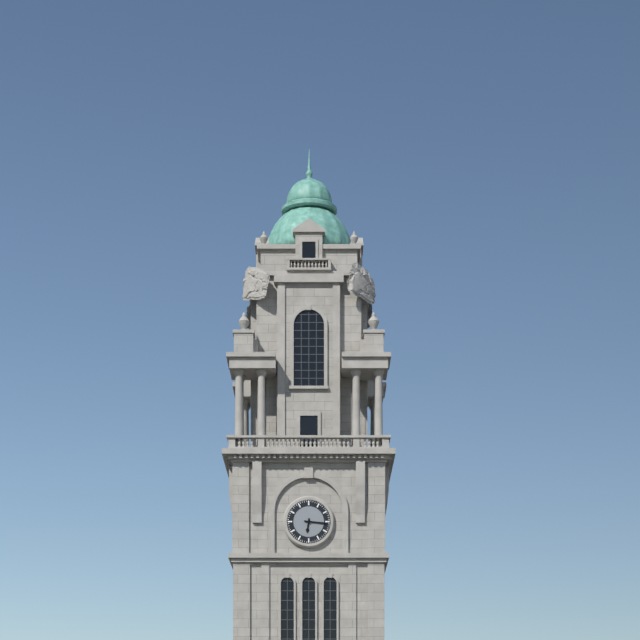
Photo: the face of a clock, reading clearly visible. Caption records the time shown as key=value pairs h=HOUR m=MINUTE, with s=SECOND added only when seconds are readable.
h=6 m=16
